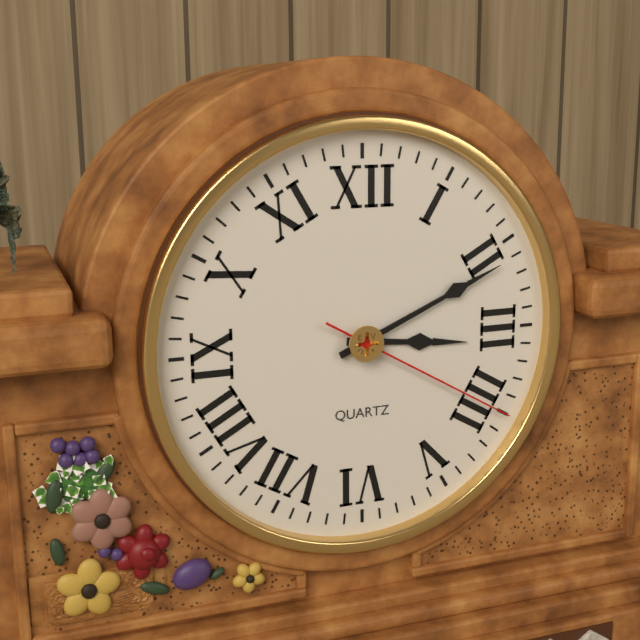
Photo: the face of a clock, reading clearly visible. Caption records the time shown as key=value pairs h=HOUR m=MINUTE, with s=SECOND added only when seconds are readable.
h=3 m=11 s=20
